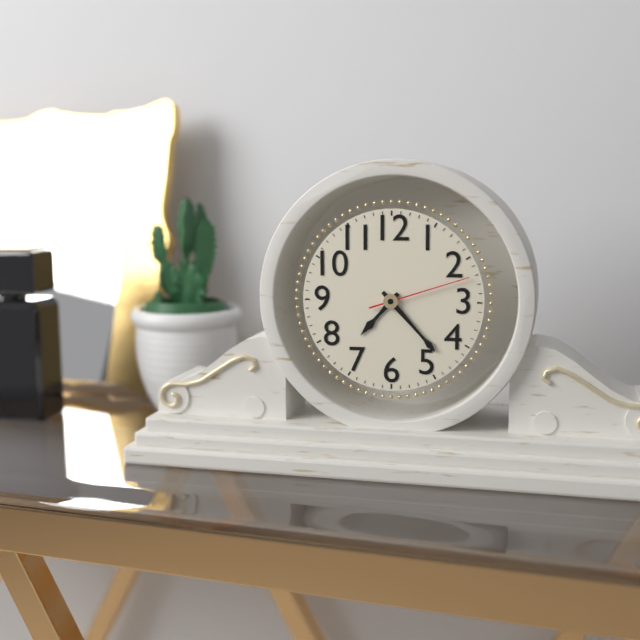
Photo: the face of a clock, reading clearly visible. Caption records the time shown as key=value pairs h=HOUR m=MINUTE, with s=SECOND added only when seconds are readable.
h=7 m=23 s=12
